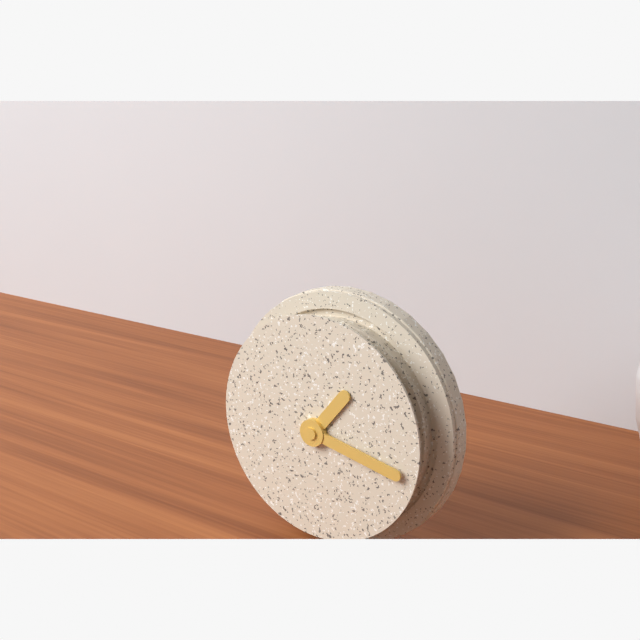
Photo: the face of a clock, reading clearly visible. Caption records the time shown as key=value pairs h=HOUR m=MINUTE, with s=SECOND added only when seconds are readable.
h=1 m=17
